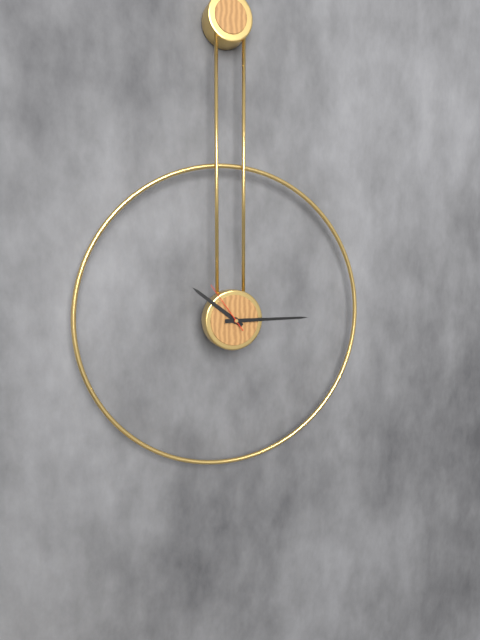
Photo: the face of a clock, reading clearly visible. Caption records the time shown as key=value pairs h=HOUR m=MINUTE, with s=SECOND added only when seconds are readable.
h=10 m=15 s=54
